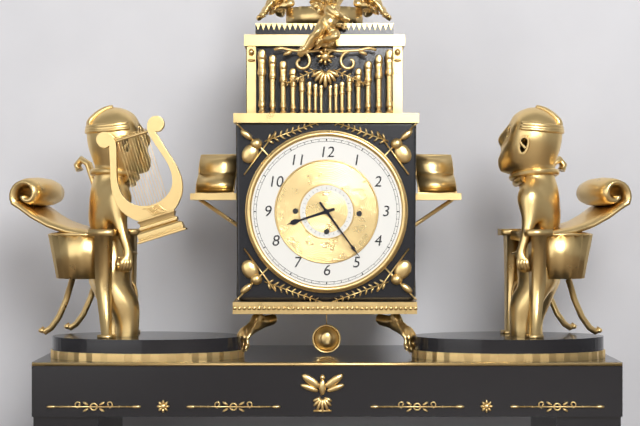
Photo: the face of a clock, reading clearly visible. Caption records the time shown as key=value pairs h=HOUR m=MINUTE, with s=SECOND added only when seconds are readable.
h=8 m=24
